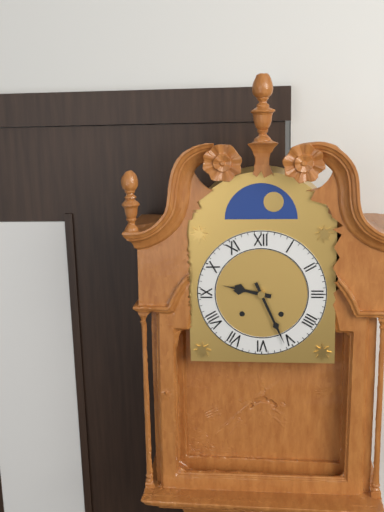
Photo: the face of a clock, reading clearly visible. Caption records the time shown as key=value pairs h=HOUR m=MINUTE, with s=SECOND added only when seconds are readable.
h=9 m=26
